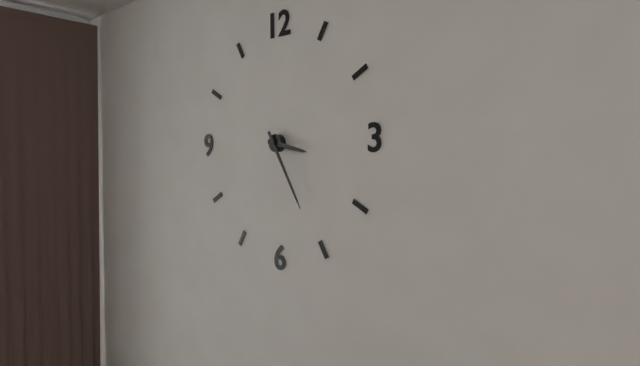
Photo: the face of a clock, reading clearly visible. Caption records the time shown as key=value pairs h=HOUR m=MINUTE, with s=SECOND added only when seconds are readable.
h=3 m=25
